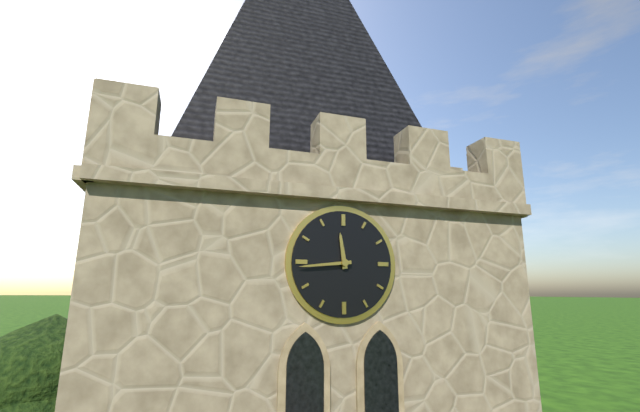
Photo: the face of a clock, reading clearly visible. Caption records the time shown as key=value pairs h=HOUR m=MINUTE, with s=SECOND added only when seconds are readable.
h=11 m=44
